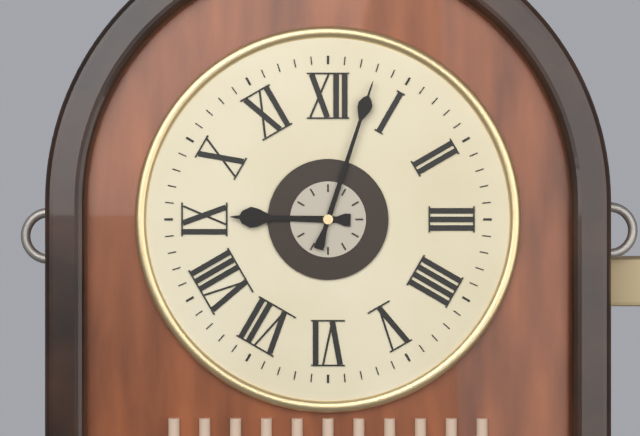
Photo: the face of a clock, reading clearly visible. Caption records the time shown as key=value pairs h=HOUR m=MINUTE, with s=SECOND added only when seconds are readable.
h=9 m=3
